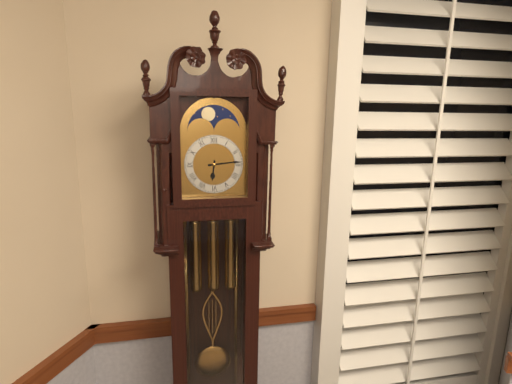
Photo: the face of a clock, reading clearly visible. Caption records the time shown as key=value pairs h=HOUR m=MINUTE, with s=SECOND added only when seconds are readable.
h=6 m=14
